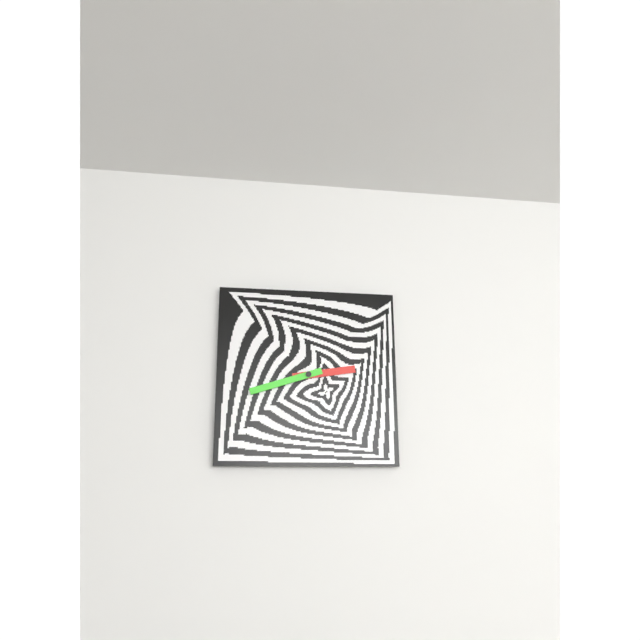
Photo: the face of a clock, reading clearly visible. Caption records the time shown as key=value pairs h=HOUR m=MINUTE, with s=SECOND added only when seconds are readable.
h=2 m=42
